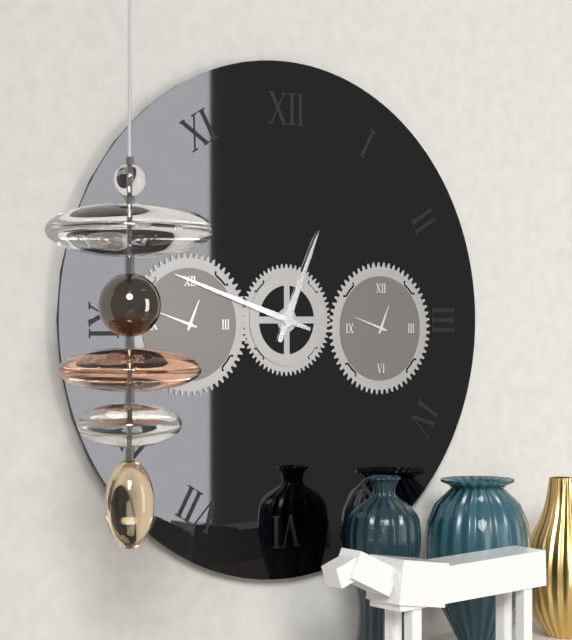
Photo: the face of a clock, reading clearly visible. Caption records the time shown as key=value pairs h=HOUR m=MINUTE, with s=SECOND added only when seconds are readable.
h=12 m=48
